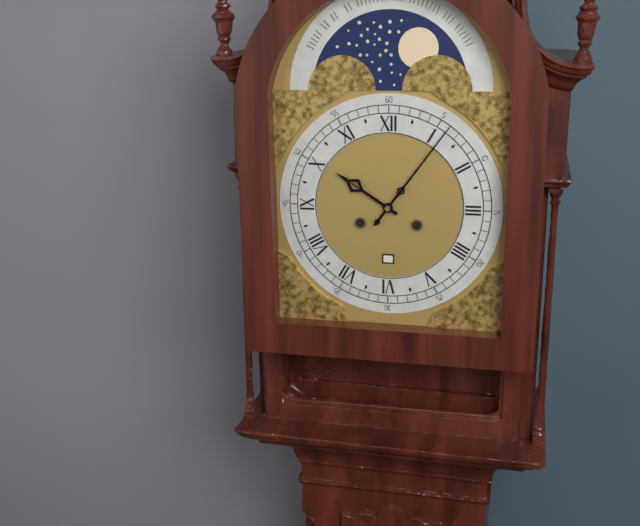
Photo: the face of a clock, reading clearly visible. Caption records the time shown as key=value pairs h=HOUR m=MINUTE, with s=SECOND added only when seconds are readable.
h=10 m=6
